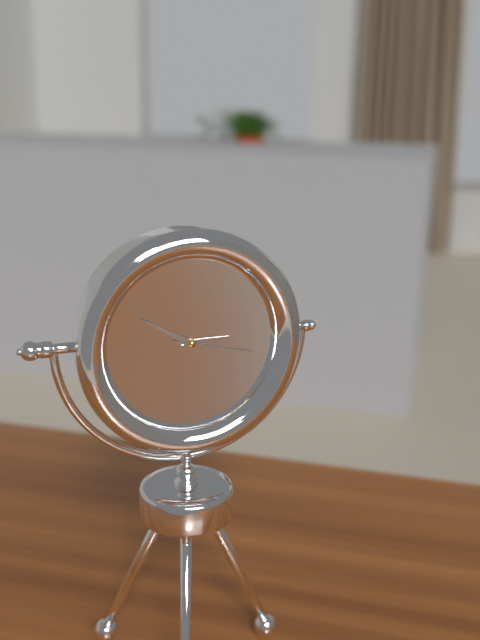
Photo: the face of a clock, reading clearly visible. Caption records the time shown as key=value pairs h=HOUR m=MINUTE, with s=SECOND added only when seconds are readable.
h=2 m=50 s=17
